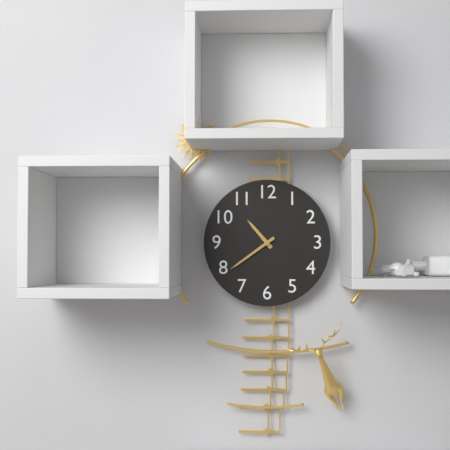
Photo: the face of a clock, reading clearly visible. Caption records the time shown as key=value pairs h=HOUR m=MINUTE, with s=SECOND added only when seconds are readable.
h=10 m=39
